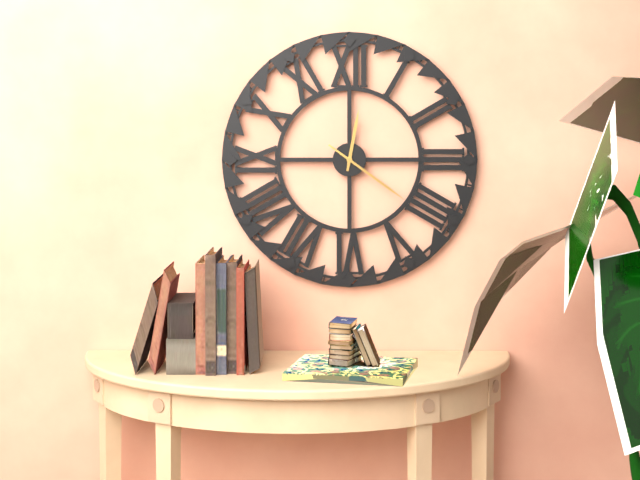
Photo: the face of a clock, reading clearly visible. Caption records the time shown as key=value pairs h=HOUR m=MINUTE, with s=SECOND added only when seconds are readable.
h=12 m=21
